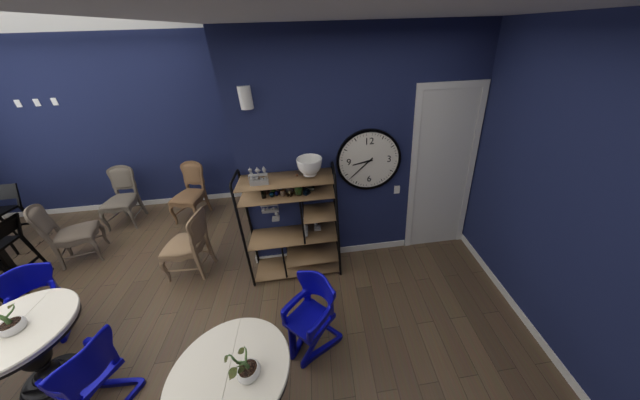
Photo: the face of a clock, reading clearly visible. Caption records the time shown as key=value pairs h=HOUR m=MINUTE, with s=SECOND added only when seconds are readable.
h=8 m=38
